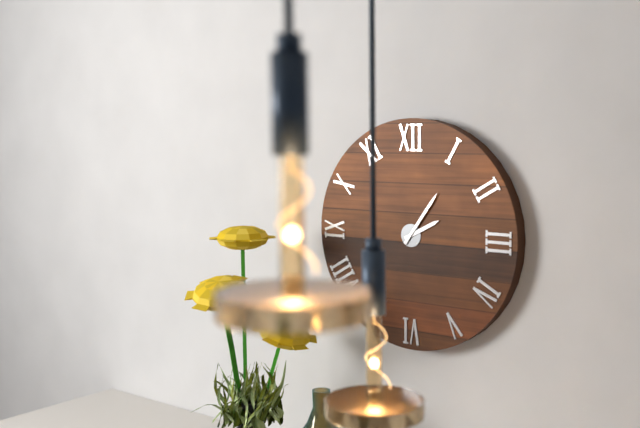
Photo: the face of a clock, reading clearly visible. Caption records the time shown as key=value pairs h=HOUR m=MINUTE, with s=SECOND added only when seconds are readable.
h=2 m=6
